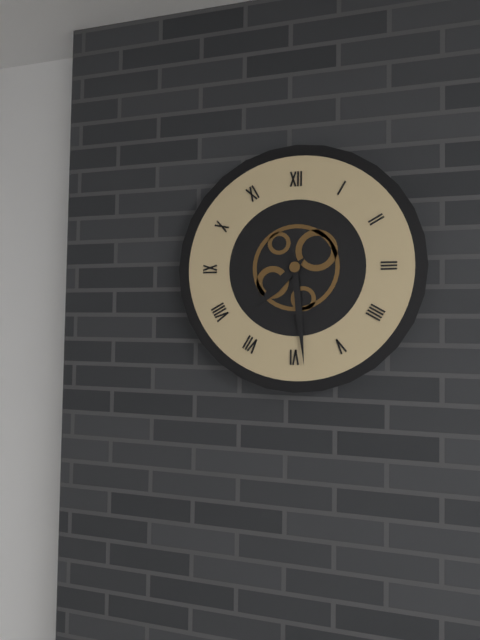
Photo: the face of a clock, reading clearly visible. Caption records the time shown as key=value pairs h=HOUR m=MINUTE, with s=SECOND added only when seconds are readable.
h=7 m=29
